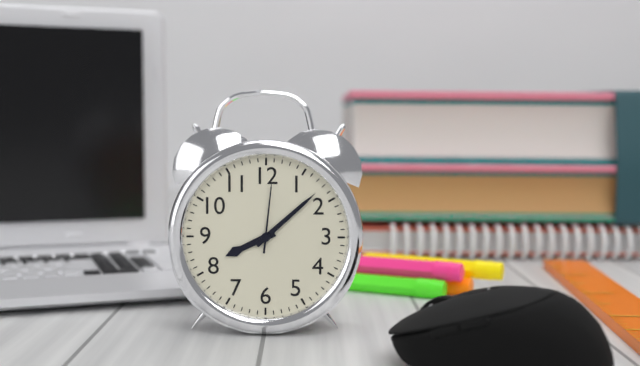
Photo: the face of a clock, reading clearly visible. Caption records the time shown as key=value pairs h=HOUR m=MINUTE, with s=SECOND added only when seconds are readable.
h=8 m=8 s=1
